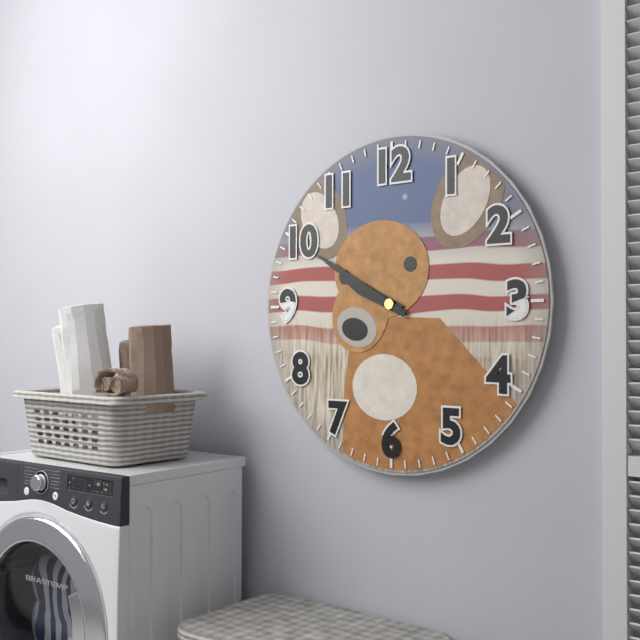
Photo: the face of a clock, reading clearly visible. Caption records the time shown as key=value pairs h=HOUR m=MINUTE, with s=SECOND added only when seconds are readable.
h=9 m=50
